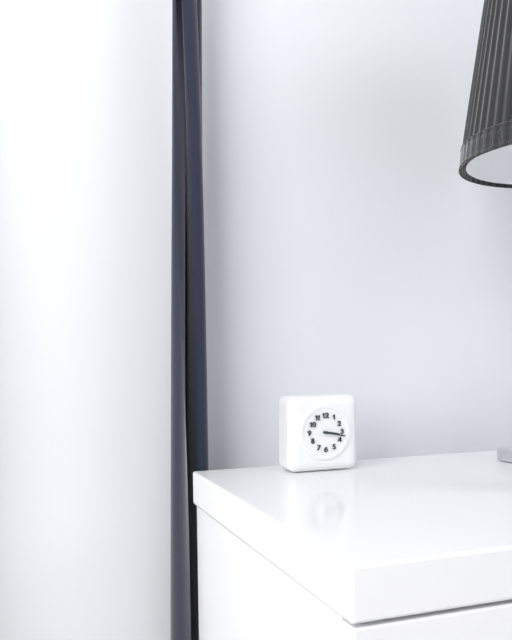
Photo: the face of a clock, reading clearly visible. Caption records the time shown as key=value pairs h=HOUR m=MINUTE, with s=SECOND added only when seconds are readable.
h=3 m=17
